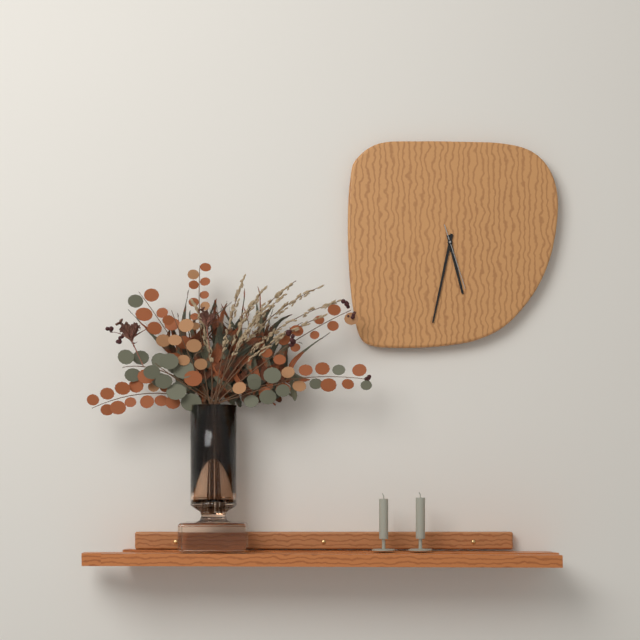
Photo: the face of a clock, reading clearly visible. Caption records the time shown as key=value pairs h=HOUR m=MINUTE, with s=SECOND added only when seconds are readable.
h=5 m=32 s=27
